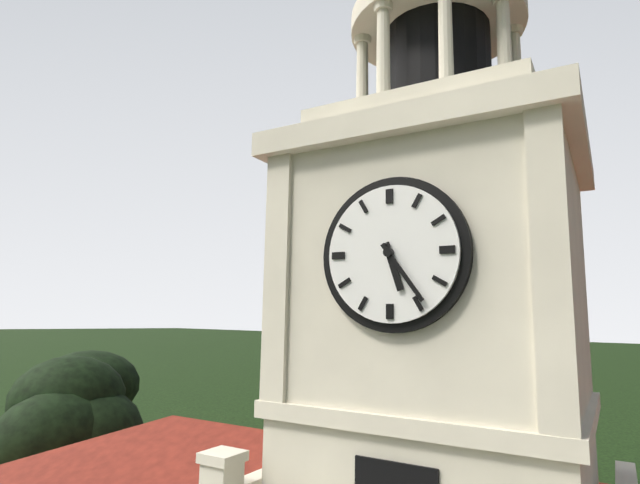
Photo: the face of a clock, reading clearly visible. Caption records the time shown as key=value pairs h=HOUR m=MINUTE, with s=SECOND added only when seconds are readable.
h=5 m=24
